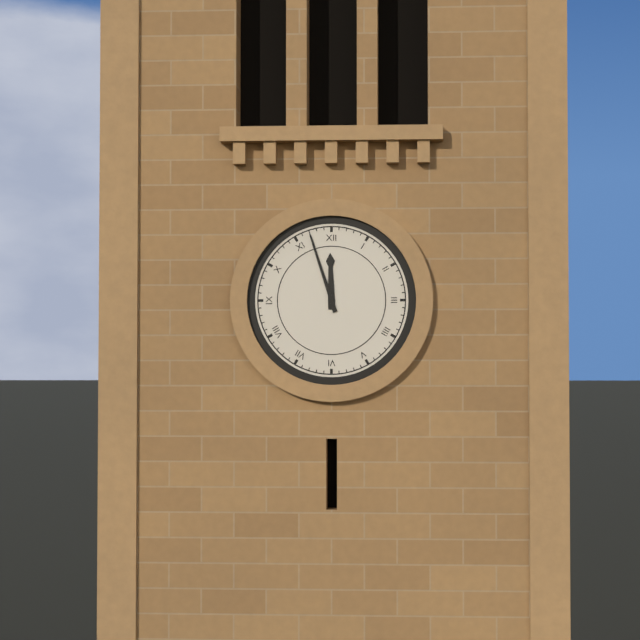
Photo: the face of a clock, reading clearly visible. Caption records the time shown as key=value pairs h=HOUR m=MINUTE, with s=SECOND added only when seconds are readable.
h=11 m=57
